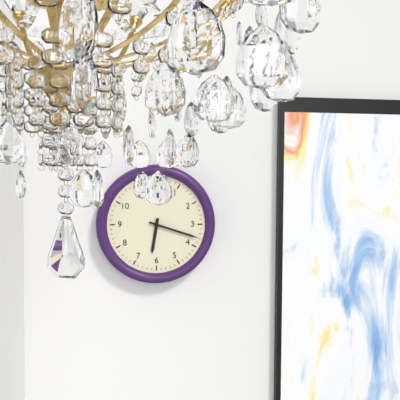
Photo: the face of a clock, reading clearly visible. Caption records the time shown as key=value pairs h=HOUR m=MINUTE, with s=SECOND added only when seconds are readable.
h=6 m=18
